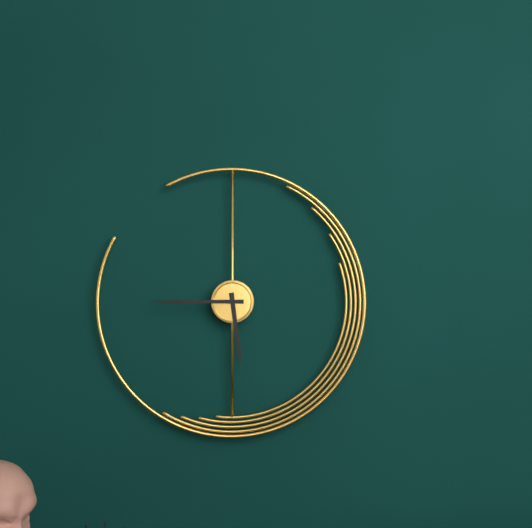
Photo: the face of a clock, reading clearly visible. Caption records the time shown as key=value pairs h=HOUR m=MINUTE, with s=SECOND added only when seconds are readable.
h=5 m=45
